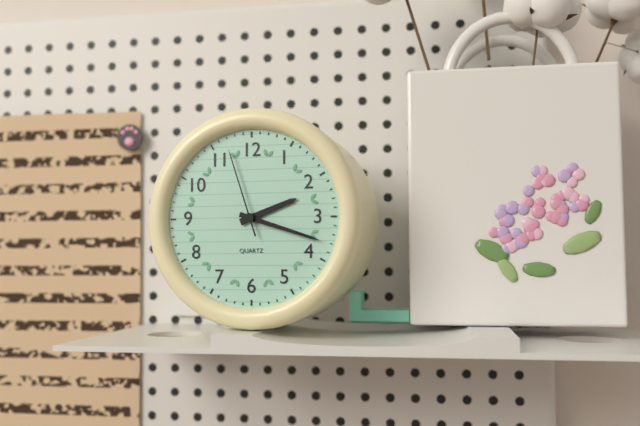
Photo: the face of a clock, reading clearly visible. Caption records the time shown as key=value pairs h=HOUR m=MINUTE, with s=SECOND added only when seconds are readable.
h=2 m=18 s=57
